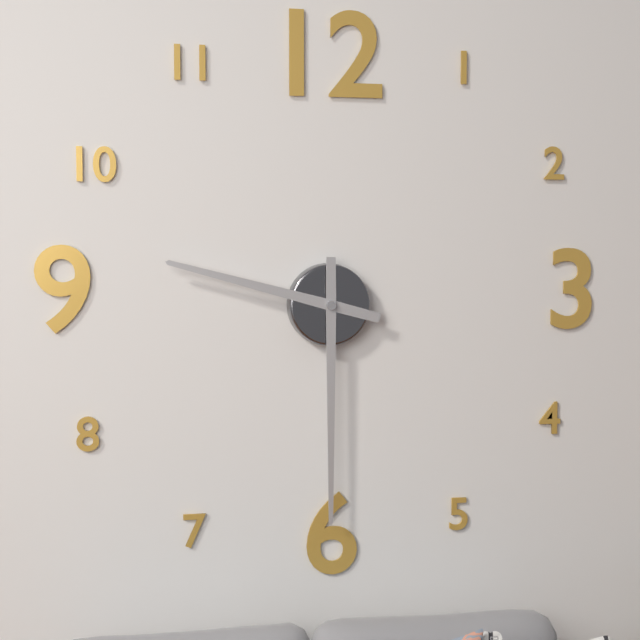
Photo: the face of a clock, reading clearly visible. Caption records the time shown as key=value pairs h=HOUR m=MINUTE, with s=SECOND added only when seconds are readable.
h=9 m=30
